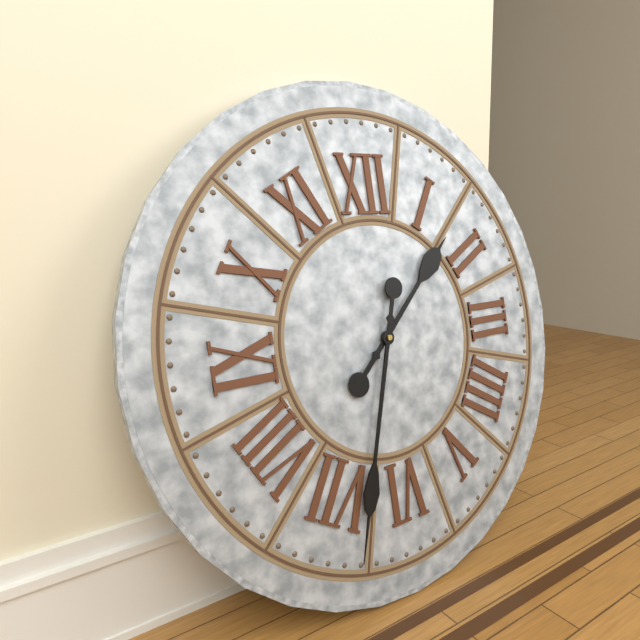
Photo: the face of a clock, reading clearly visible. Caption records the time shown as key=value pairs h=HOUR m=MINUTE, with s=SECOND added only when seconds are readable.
h=1 m=33
